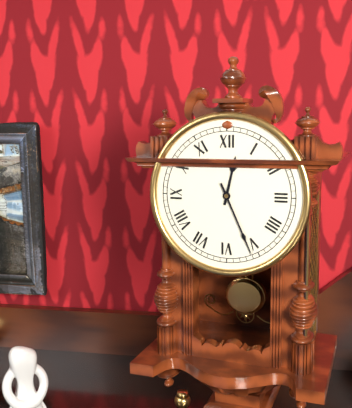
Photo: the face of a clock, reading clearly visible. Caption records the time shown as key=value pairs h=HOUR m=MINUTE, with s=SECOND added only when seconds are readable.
h=12 m=26
